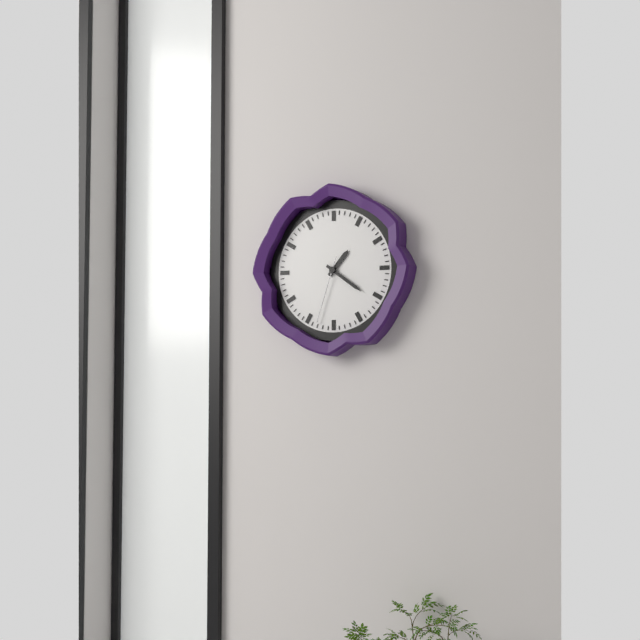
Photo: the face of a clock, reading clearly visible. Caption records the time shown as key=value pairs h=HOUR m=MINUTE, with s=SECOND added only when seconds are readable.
h=1 m=21 s=33
